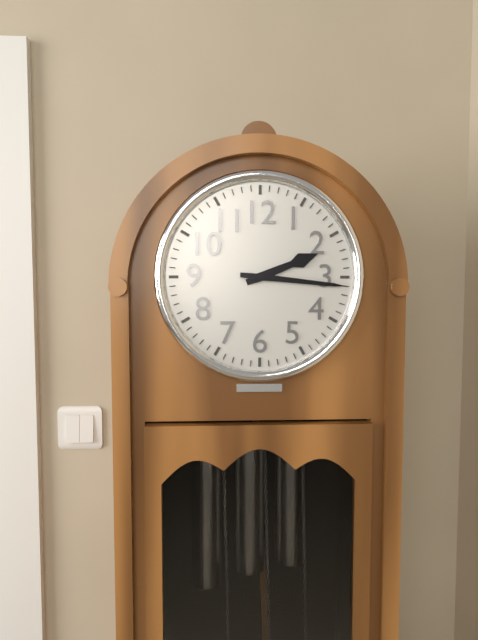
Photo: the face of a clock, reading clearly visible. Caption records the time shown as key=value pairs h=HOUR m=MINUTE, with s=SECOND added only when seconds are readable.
h=2 m=16
